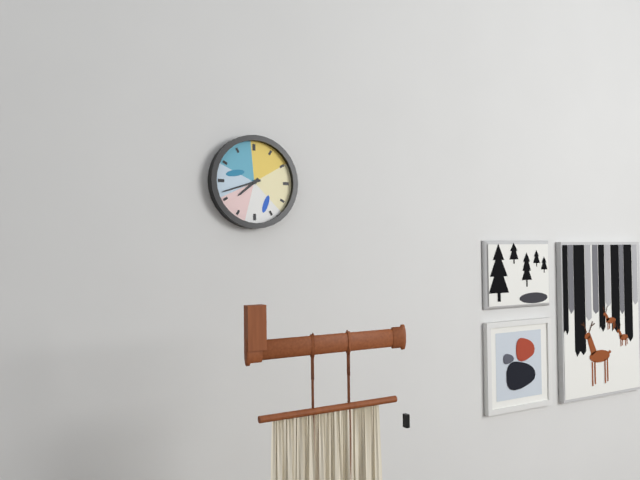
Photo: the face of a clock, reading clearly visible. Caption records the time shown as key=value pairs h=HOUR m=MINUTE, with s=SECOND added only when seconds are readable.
h=7 m=42
